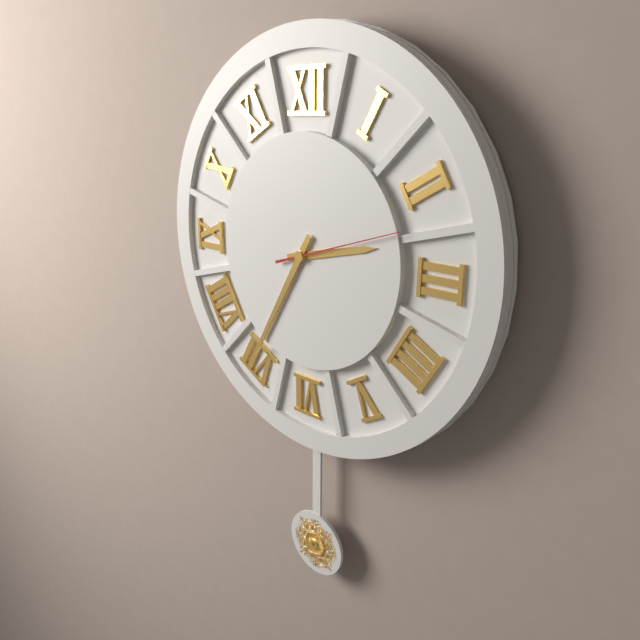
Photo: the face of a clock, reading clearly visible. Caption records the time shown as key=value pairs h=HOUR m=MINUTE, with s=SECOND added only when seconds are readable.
h=2 m=35 s=12
